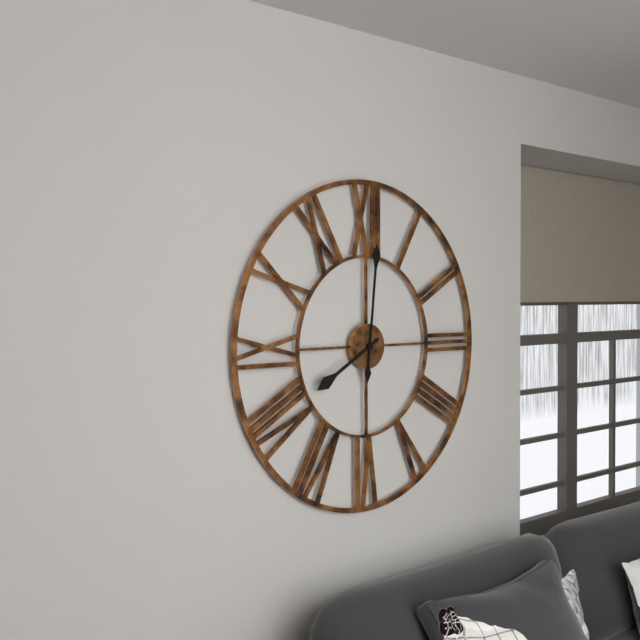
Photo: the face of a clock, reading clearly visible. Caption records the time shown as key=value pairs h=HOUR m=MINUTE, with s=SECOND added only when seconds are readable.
h=8 m=1
